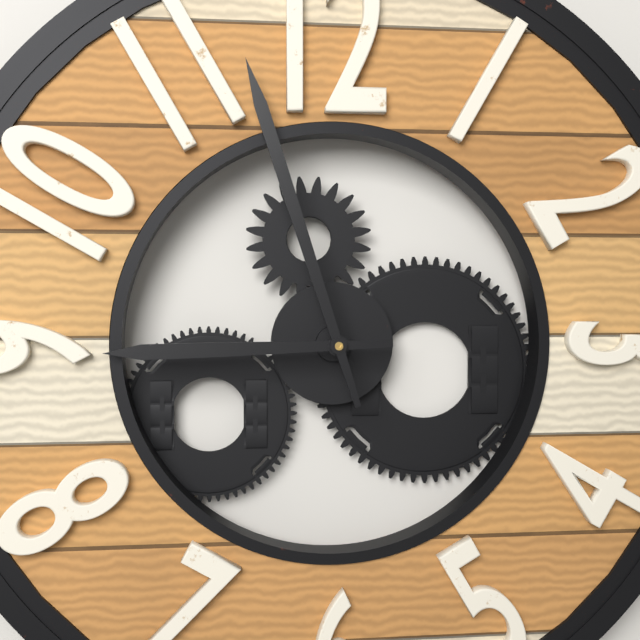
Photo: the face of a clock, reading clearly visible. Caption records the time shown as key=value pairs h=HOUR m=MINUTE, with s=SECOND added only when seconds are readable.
h=8 m=57
